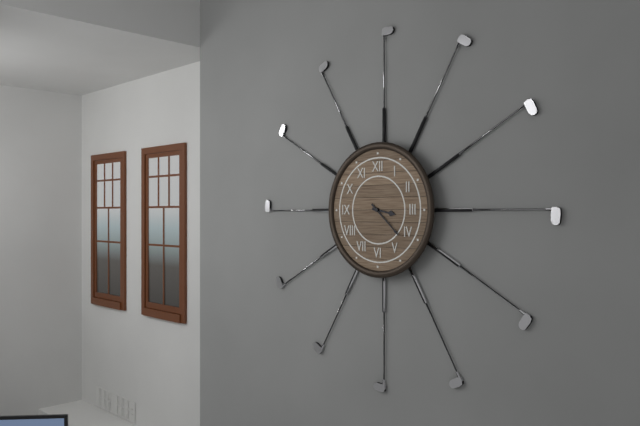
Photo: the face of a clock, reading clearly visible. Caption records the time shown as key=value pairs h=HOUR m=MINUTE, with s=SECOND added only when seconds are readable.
h=3 m=22
